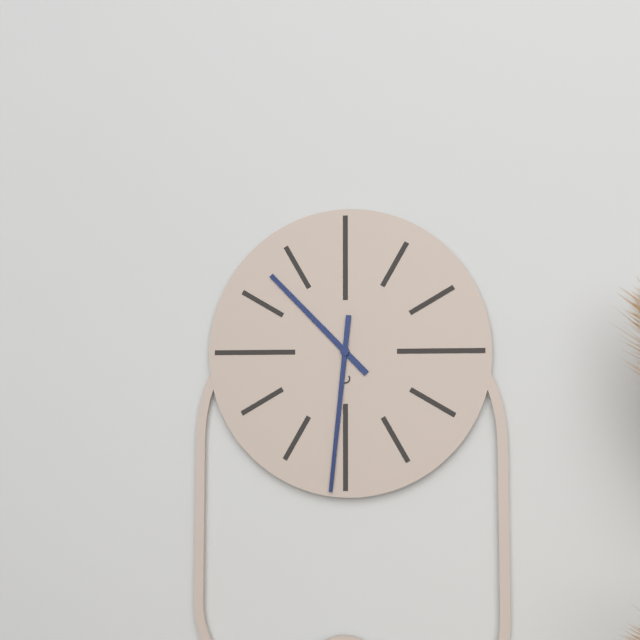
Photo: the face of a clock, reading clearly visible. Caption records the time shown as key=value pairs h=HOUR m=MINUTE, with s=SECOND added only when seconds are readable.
h=10 m=31
